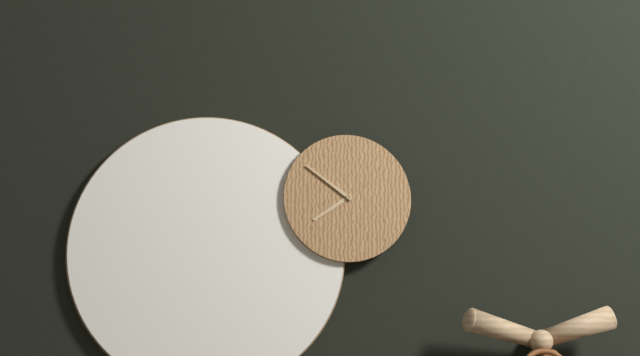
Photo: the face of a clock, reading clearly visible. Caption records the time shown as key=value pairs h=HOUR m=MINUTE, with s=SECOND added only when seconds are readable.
h=7 m=51
